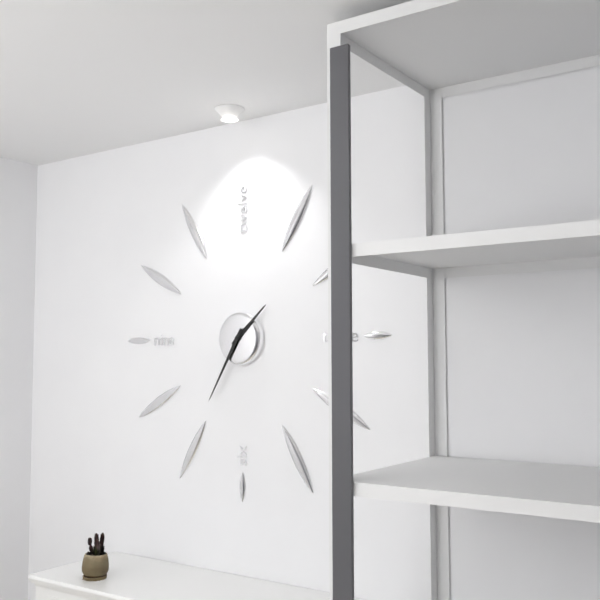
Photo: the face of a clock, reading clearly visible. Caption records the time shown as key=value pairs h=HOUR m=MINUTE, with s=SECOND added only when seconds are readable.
h=1 m=35
